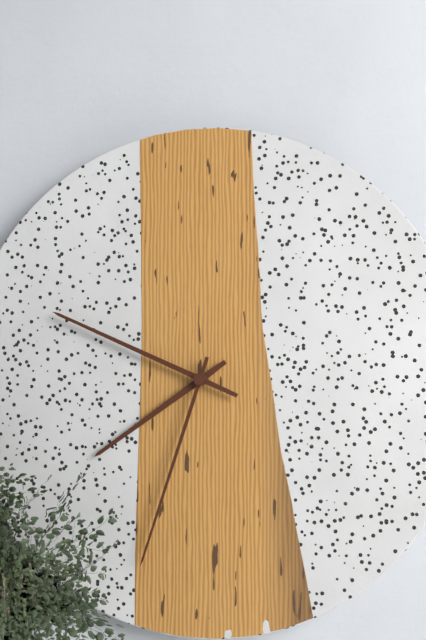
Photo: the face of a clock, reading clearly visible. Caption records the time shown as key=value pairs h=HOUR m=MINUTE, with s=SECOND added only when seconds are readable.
h=7 m=49 s=33
